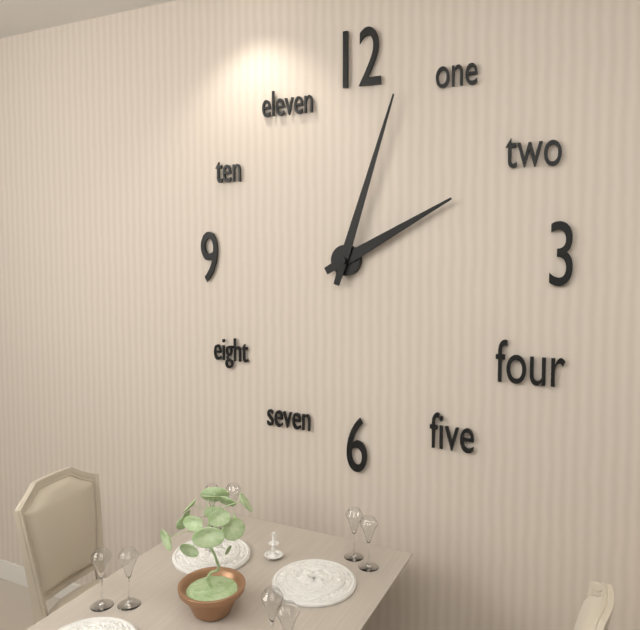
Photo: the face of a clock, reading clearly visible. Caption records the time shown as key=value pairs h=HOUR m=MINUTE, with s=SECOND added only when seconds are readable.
h=2 m=3
